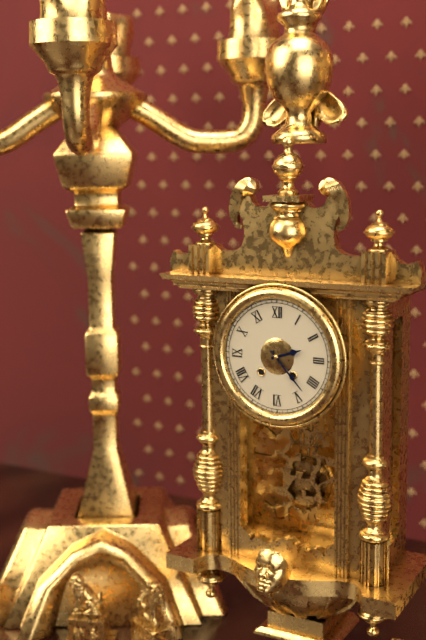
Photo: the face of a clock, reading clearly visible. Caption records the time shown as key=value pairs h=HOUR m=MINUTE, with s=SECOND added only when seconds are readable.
h=2 m=23
